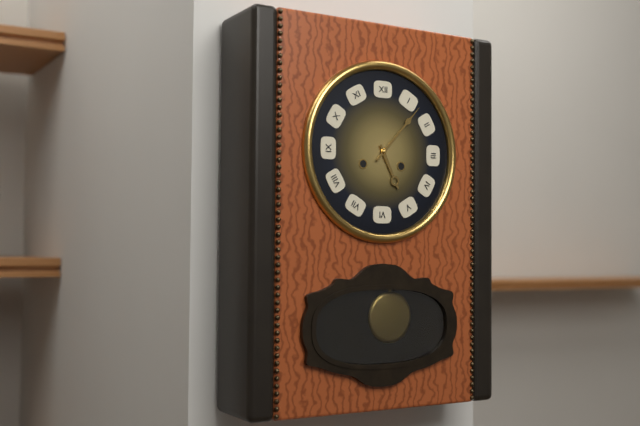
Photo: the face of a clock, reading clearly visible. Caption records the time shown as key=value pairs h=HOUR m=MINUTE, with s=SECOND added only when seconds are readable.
h=5 m=7
